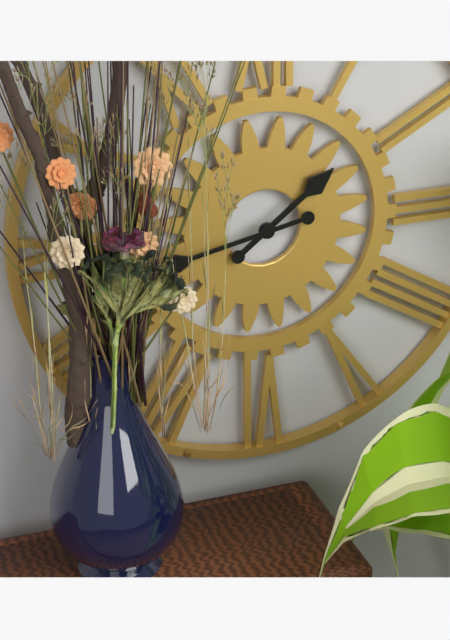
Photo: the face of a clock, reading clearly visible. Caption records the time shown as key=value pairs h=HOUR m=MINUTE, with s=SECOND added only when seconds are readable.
h=1 m=43
